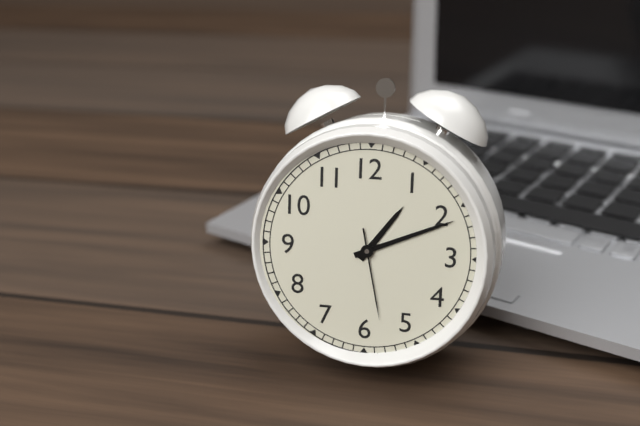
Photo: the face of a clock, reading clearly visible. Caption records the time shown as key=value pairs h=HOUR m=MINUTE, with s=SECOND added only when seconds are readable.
h=1 m=11 s=28
